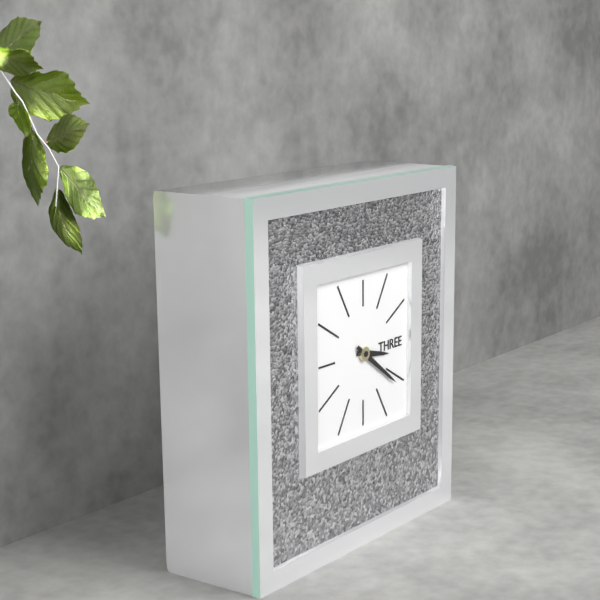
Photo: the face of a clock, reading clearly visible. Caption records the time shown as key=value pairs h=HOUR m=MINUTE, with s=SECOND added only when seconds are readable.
h=3 m=21
